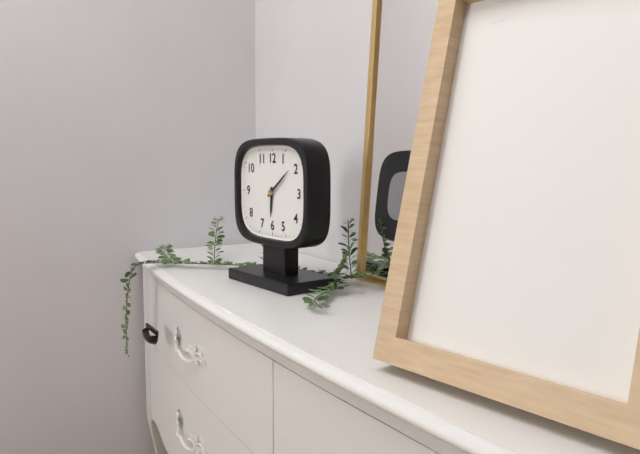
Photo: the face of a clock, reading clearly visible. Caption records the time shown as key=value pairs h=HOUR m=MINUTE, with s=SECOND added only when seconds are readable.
h=6 m=9
